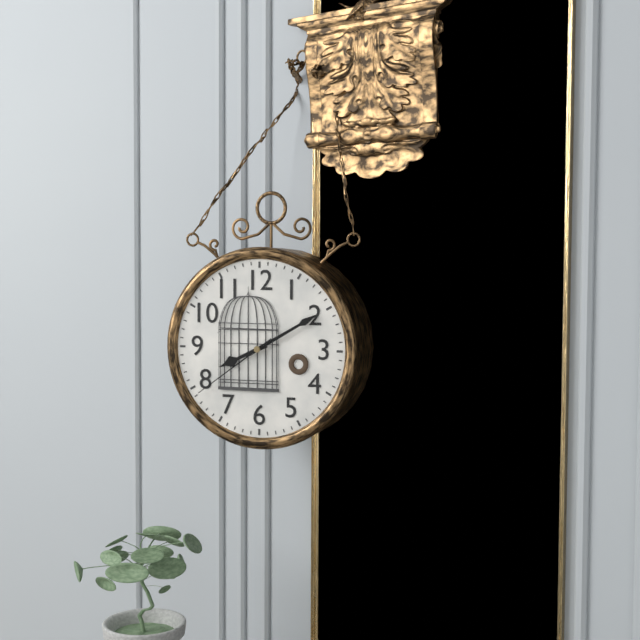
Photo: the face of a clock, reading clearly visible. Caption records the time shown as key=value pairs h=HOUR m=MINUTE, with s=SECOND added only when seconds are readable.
h=8 m=10 s=39
